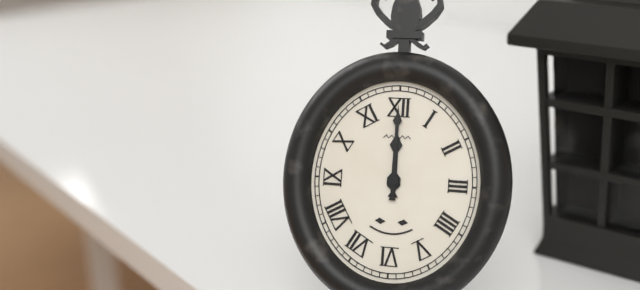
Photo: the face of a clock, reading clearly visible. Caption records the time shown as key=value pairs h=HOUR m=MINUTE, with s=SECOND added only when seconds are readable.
h=12 m=0
